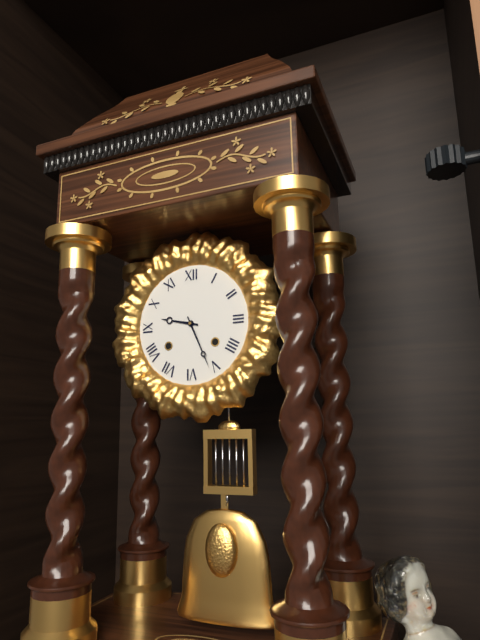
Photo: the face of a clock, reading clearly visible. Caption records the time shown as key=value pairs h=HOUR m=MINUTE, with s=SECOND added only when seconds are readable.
h=9 m=26
